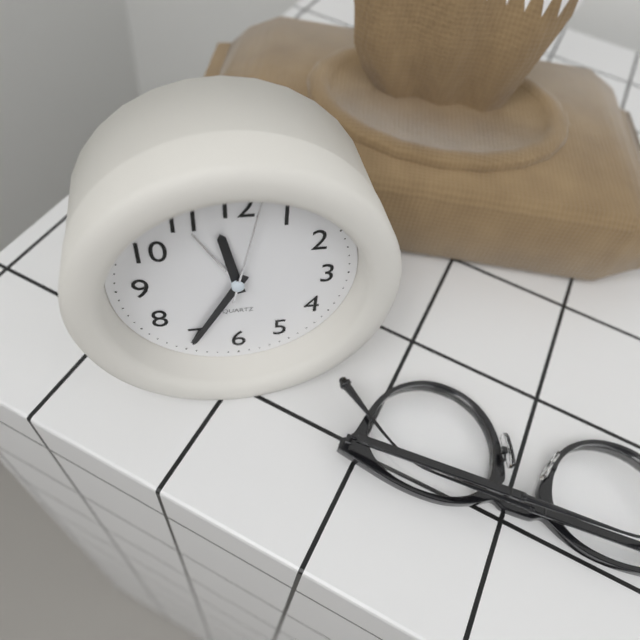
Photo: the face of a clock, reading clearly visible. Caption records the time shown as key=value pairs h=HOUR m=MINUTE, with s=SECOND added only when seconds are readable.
h=11 m=35 s=2
